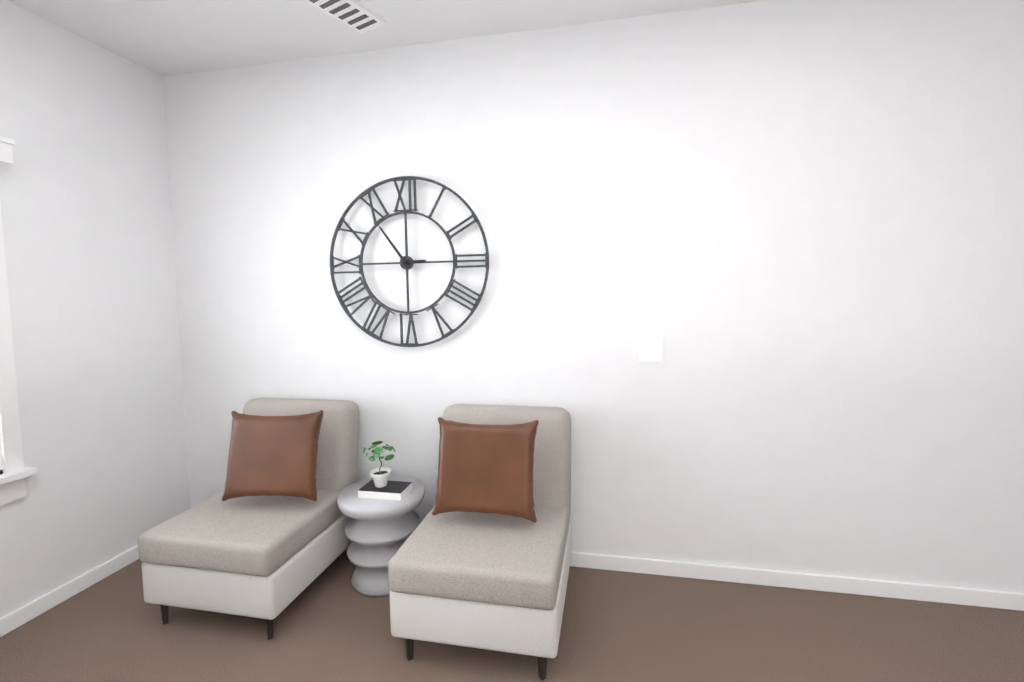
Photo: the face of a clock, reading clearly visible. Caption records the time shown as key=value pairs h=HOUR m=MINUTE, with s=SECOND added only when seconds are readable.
h=2 m=54
